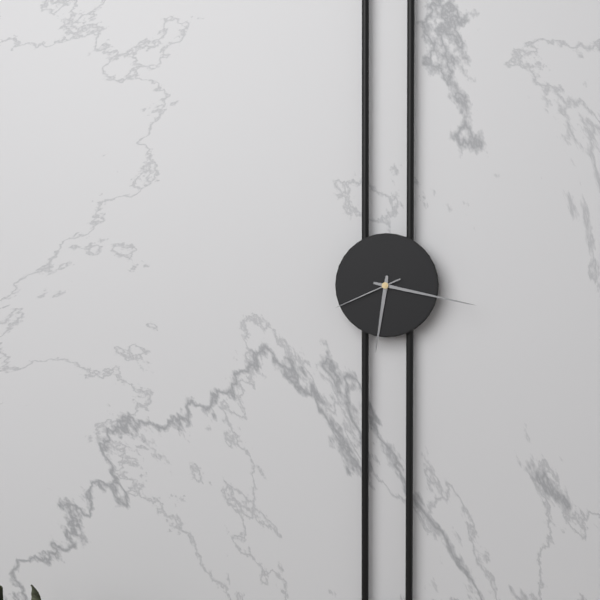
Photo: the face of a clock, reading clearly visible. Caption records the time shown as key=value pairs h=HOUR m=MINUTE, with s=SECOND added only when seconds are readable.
h=6 m=17 s=41
